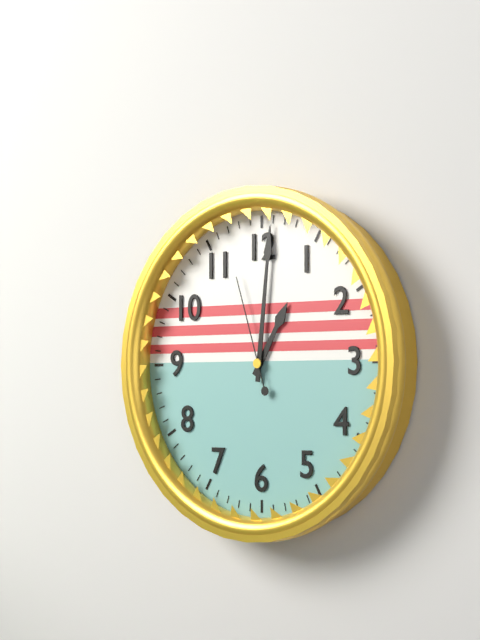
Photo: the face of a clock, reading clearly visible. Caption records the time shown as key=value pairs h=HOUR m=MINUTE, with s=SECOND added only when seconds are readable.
h=1 m=1 s=57
